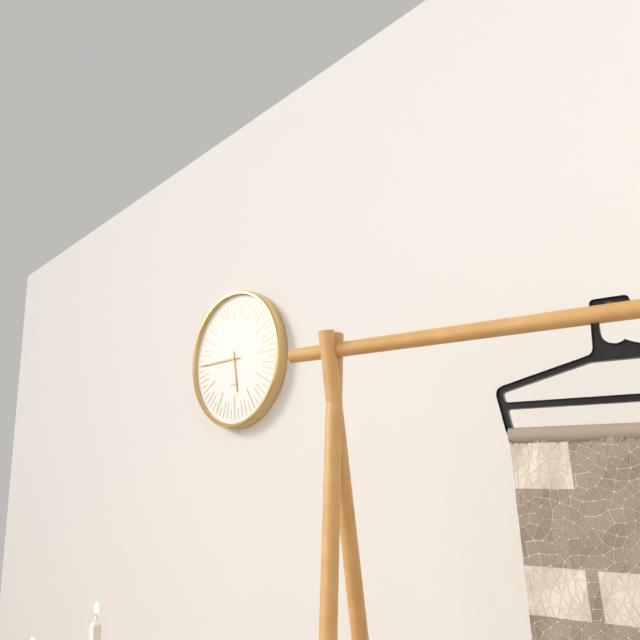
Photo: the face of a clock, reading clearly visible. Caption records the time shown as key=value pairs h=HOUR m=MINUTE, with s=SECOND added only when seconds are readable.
h=5 m=45
